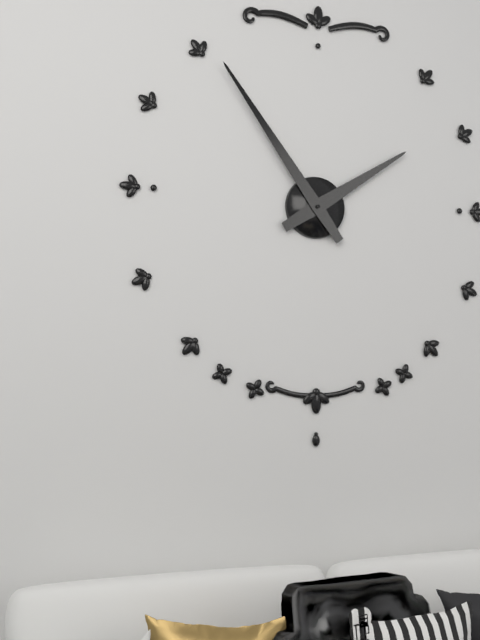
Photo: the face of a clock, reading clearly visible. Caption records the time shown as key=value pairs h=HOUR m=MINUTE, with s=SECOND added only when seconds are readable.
h=1 m=54
